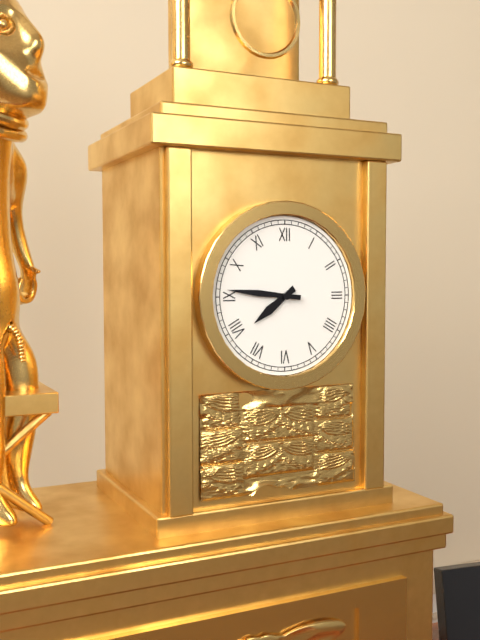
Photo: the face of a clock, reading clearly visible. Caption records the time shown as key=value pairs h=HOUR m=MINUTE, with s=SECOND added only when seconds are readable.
h=7 m=46
